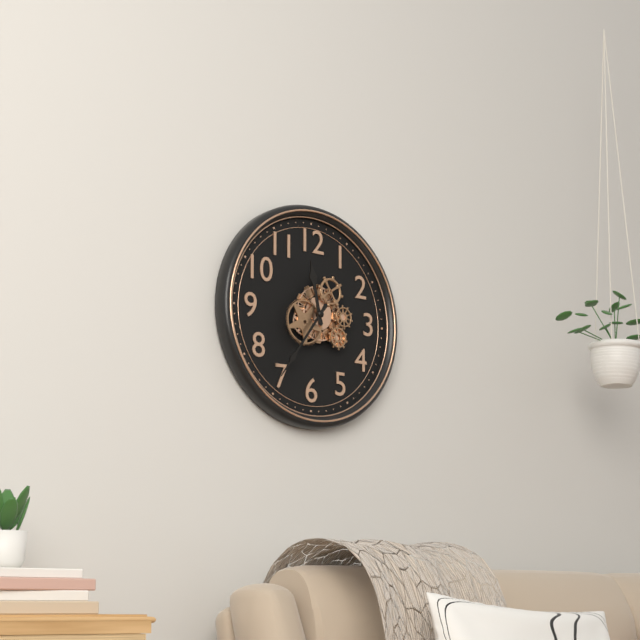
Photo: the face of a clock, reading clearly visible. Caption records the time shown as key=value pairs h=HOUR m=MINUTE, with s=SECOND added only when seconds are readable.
h=11 m=36
